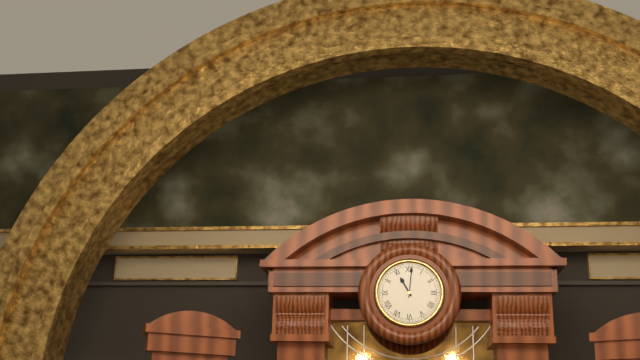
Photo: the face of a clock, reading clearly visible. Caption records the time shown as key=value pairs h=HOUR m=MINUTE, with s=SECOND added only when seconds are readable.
h=11 m=1
